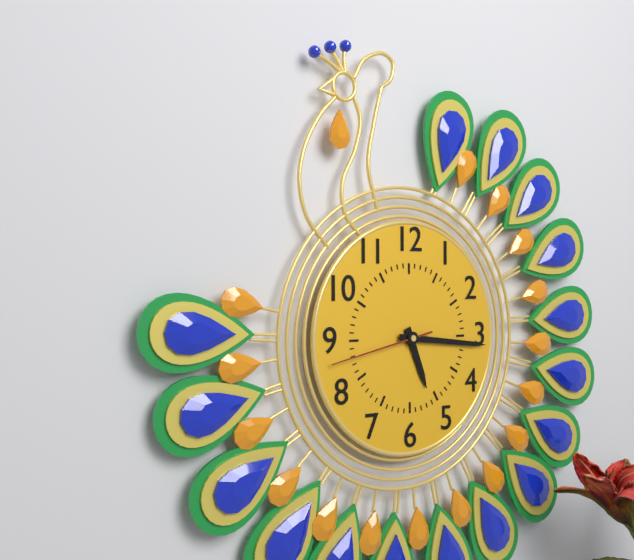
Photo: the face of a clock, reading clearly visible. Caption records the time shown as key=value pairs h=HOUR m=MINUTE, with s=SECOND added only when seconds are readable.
h=5 m=16 s=43
